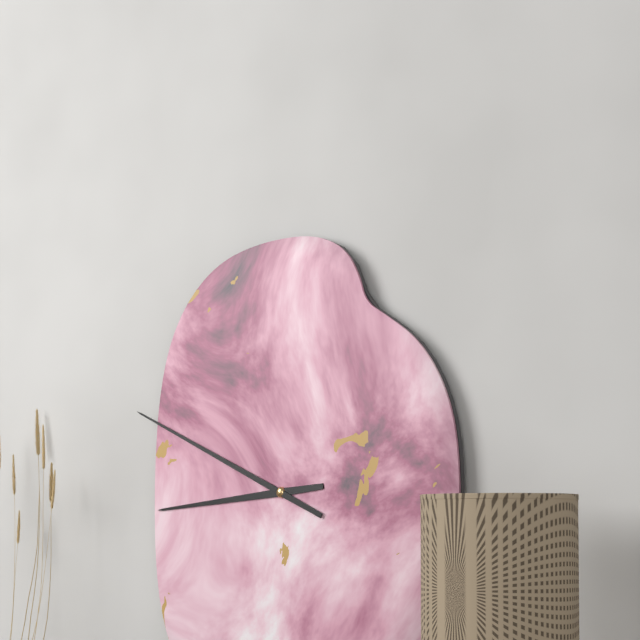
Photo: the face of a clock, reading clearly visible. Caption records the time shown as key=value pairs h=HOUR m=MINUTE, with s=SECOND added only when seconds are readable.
h=8 m=49
